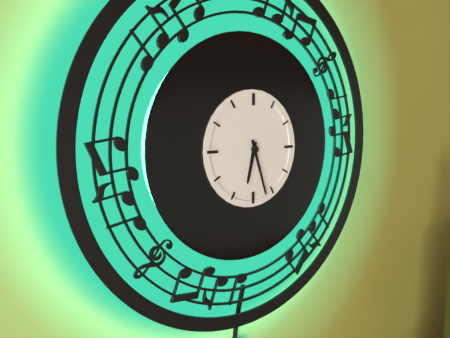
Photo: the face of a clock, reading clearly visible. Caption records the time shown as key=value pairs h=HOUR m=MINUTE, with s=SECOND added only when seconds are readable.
h=6 m=27
